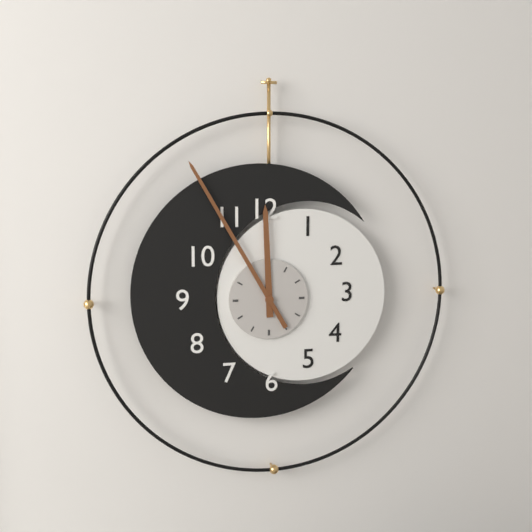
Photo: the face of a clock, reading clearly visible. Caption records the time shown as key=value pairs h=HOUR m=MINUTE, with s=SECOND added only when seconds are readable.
h=11 m=55
